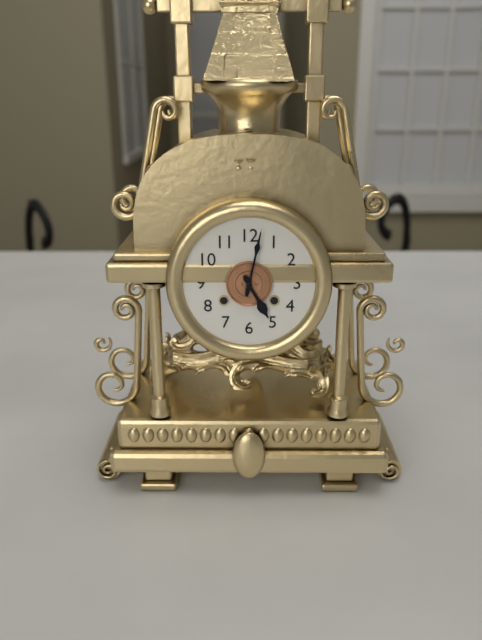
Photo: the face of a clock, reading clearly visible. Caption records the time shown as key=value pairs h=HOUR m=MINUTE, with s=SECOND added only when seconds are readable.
h=5 m=2
